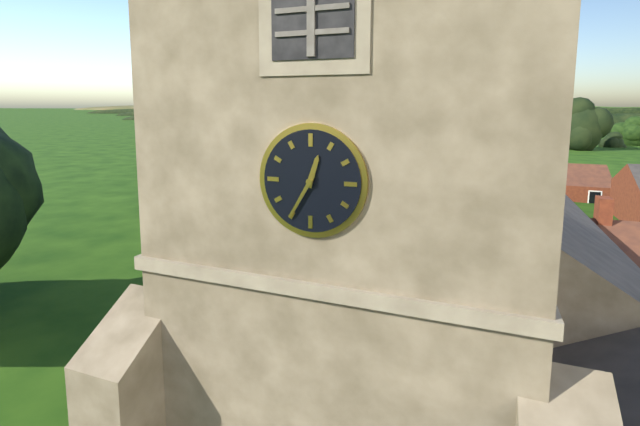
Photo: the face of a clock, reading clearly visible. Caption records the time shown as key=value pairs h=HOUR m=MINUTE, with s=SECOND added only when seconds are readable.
h=12 m=35
